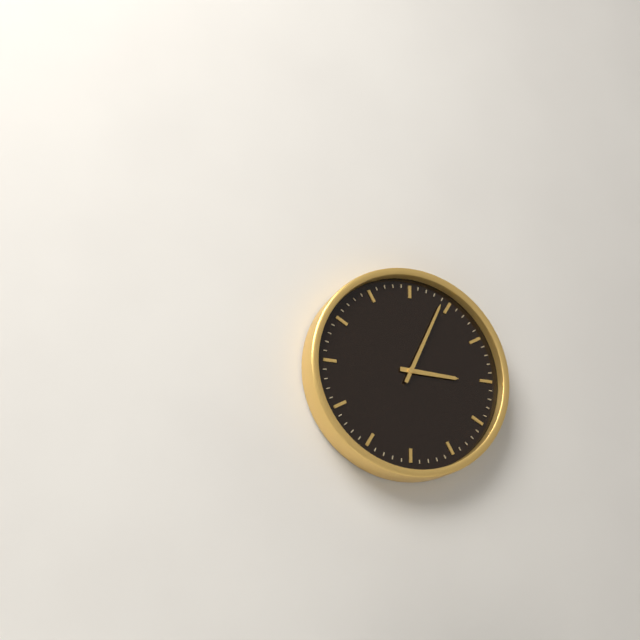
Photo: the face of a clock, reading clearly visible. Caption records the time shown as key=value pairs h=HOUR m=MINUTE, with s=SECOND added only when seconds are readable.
h=3 m=4
